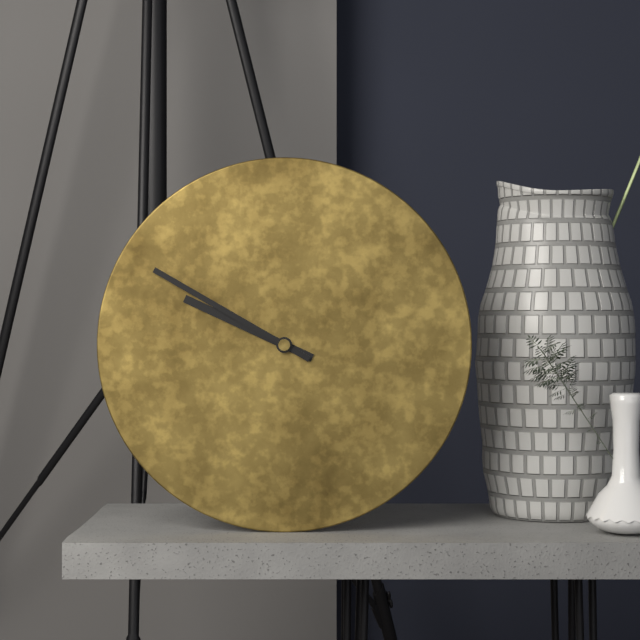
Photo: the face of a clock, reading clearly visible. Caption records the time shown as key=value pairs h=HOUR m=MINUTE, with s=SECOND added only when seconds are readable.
h=9 m=50
